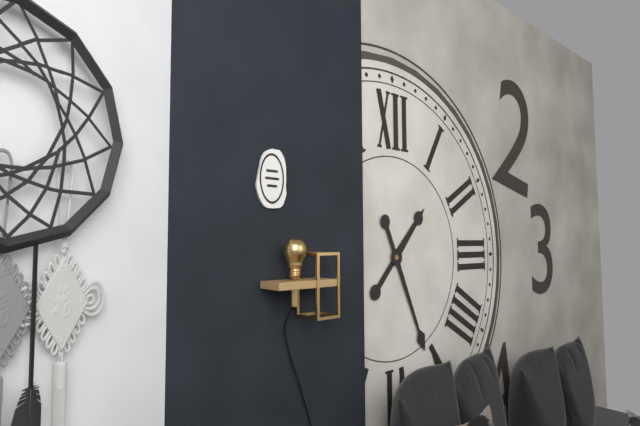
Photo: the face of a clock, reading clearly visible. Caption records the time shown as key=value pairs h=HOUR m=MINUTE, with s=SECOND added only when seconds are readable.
h=1 m=26
